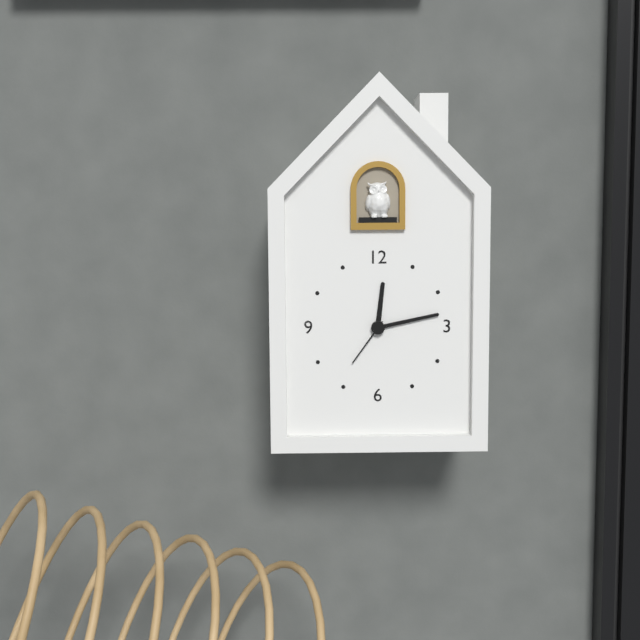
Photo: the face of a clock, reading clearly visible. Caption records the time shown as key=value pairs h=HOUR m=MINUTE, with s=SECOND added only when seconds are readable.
h=12 m=13 s=36
